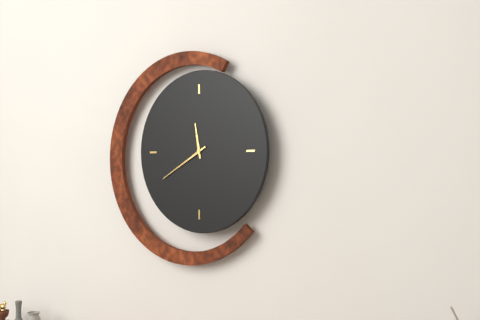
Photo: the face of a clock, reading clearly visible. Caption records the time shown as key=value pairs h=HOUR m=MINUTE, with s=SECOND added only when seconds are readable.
h=11 m=40
